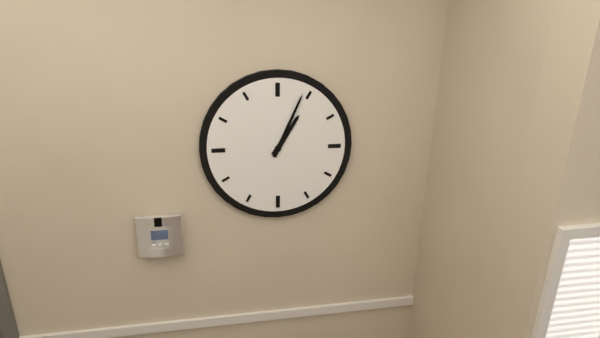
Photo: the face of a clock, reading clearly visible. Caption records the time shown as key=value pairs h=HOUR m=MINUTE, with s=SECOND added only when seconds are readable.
h=1 m=4
